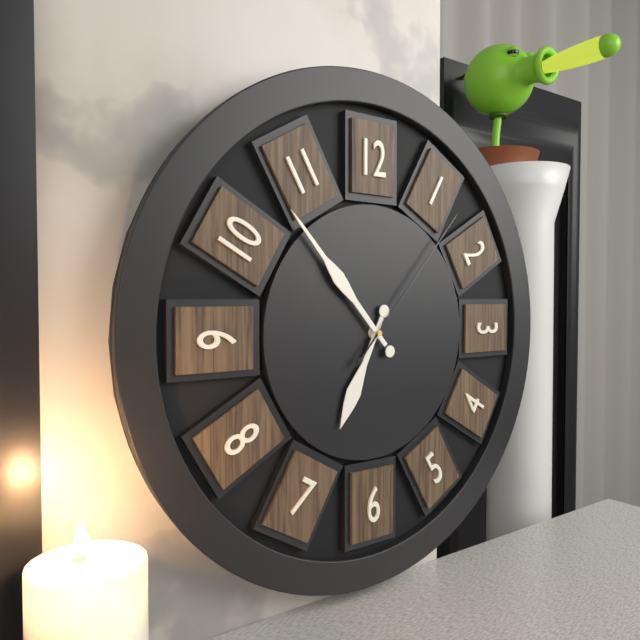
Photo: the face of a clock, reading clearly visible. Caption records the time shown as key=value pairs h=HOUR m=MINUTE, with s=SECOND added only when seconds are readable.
h=6 m=53 s=7
